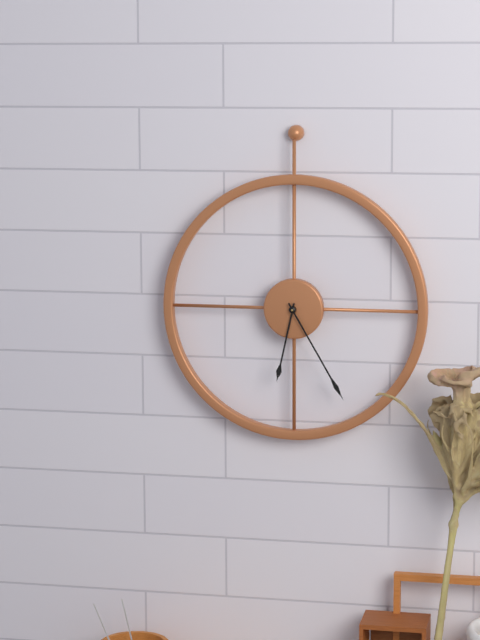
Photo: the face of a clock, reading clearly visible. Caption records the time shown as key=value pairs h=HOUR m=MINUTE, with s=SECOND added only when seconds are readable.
h=6 m=25
